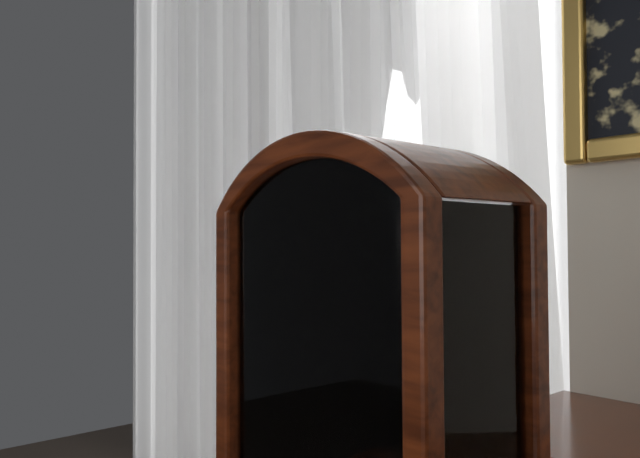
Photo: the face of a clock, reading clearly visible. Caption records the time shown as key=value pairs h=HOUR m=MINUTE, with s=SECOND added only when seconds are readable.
h=9 m=44
